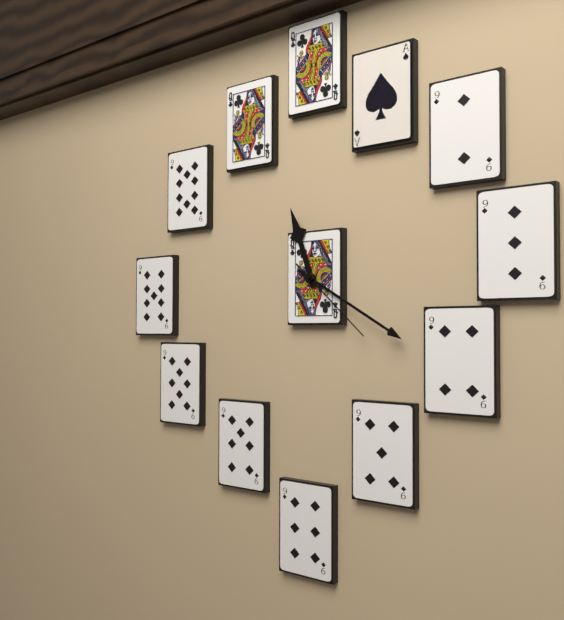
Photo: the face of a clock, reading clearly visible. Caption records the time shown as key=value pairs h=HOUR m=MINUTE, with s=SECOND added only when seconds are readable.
h=11 m=20 s=22
